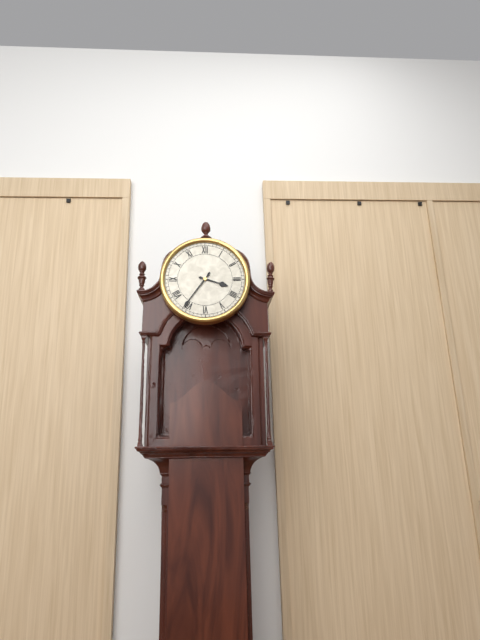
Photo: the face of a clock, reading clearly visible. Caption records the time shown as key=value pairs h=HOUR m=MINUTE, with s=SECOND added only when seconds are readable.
h=3 m=36
